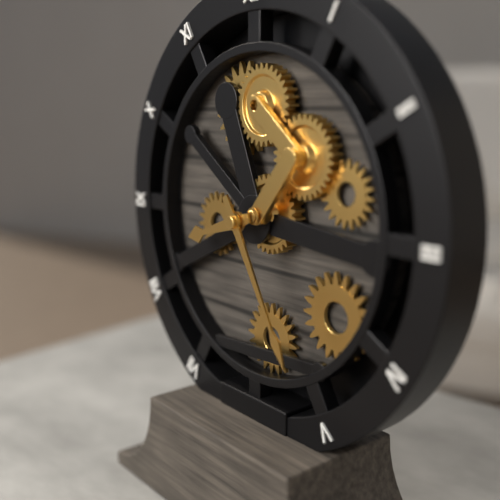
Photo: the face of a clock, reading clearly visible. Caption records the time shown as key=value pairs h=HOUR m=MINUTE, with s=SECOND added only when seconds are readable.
h=8 m=25
